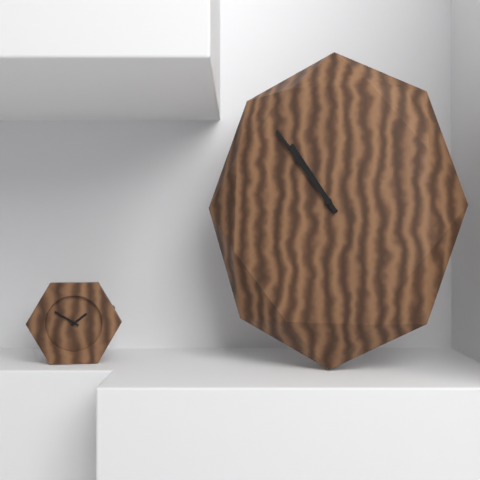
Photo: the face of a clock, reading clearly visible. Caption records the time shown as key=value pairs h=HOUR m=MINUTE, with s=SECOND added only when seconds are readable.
h=10 m=54
